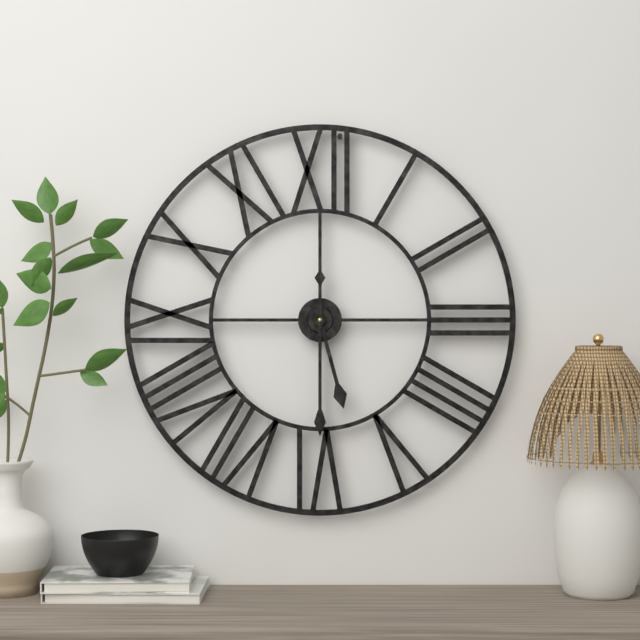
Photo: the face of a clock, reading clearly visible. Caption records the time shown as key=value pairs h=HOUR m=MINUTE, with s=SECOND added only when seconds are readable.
h=5 m=30
